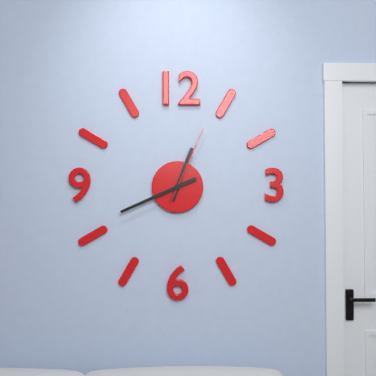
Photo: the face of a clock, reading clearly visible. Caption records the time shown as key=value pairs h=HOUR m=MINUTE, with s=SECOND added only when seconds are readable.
h=12 m=41 s=4
